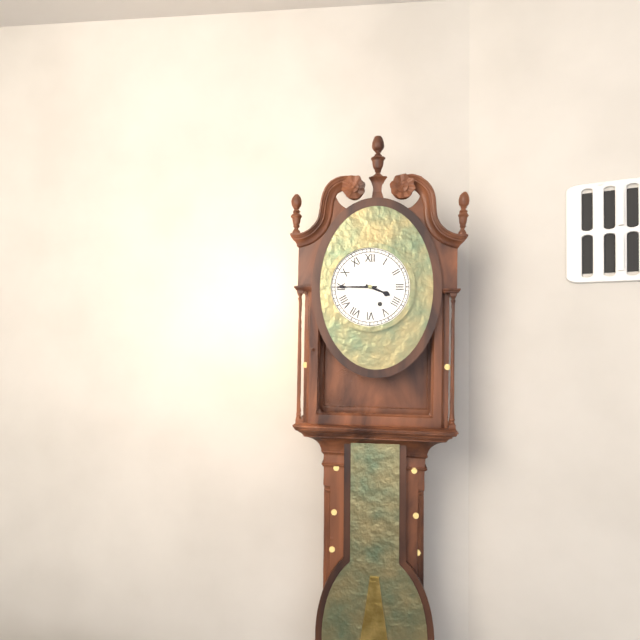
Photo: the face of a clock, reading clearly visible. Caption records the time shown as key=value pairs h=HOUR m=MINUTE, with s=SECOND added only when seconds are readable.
h=3 m=45
